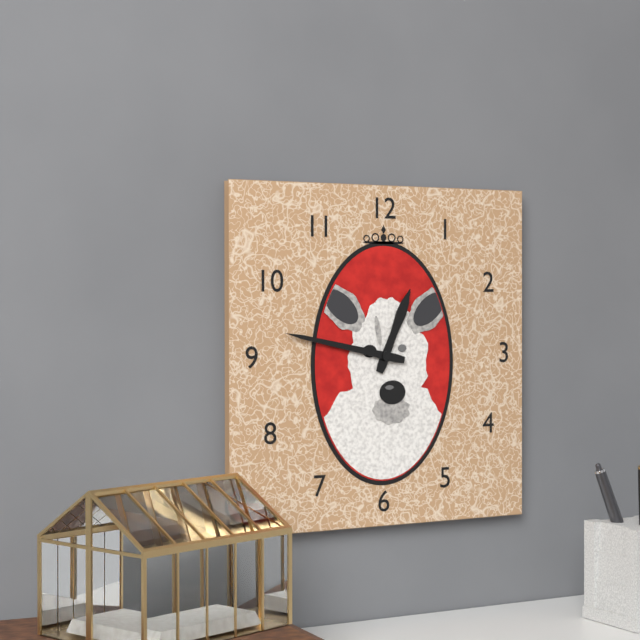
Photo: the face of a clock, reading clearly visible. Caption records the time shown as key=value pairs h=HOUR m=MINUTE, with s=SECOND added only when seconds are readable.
h=12 m=47
